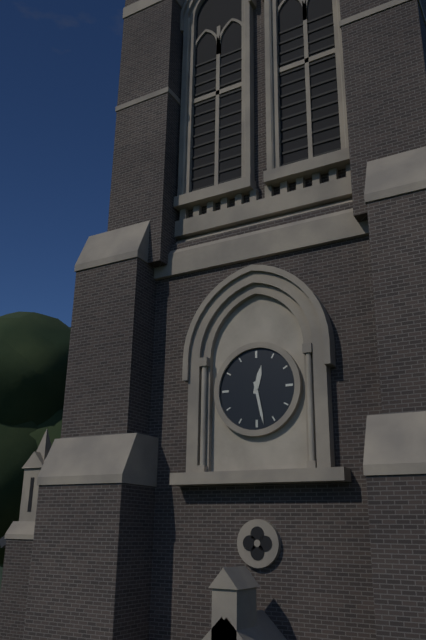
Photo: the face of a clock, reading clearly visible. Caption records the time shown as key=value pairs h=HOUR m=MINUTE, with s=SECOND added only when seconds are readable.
h=12 m=28
